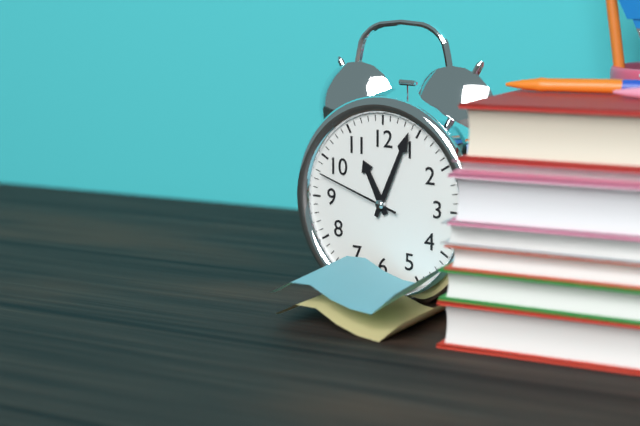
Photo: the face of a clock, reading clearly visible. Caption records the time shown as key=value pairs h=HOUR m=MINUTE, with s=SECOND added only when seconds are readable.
h=11 m=4 s=48
